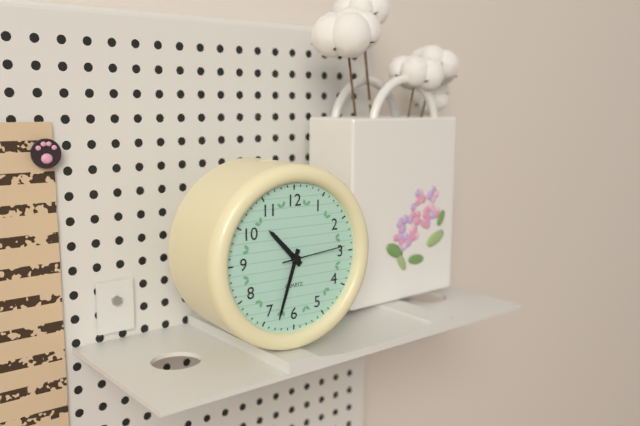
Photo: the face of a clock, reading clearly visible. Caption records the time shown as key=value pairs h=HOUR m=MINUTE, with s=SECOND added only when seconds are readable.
h=10 m=33 s=14
